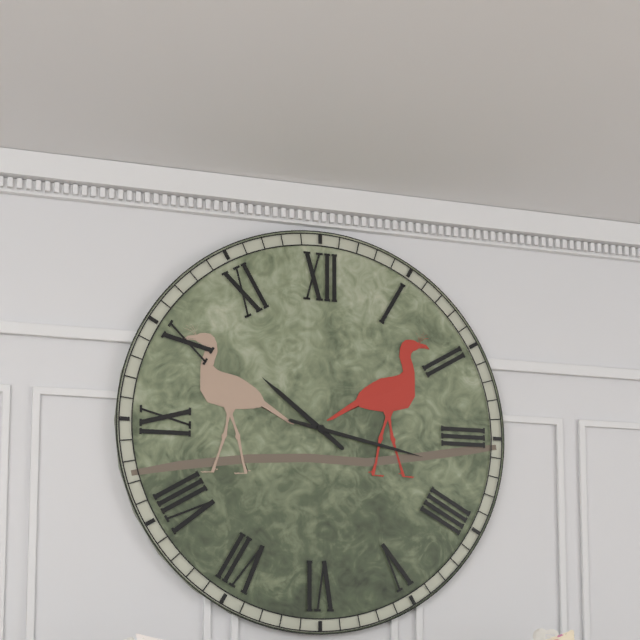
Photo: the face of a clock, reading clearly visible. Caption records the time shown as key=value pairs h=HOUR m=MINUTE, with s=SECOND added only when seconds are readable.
h=10 m=17
